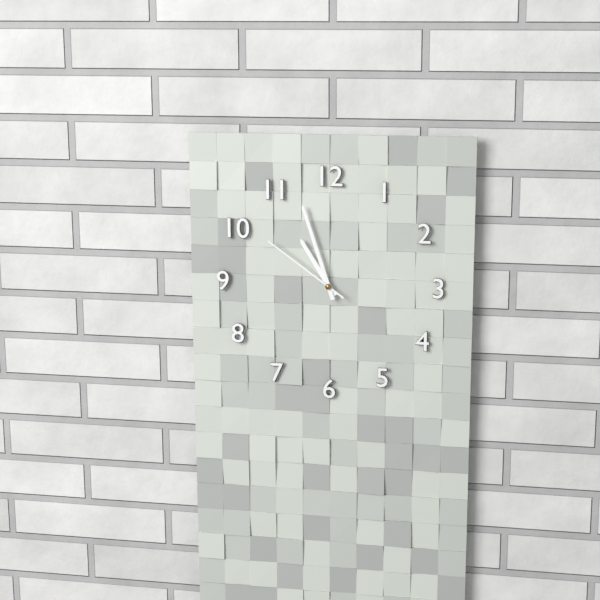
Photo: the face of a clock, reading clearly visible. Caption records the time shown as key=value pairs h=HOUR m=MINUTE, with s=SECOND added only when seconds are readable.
h=10 m=57 s=51
